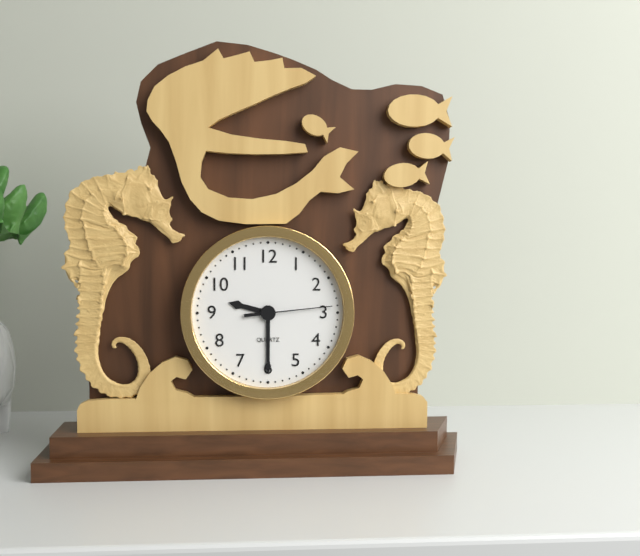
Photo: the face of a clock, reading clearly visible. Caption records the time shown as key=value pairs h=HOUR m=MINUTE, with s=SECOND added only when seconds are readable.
h=9 m=30 s=14
